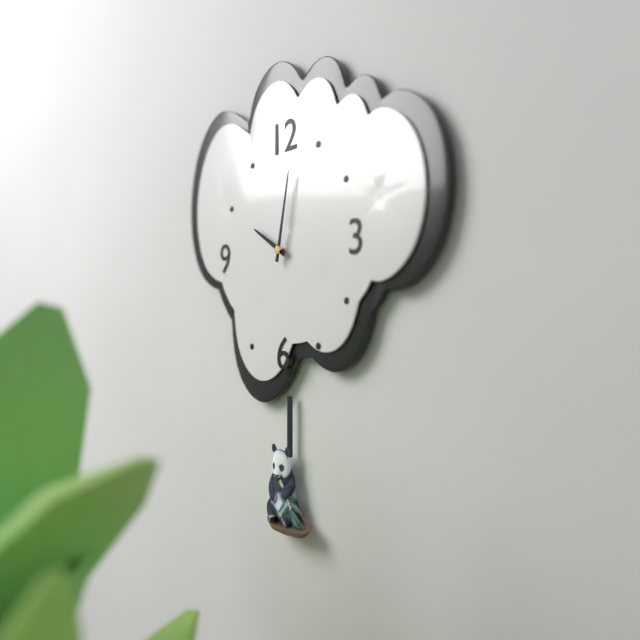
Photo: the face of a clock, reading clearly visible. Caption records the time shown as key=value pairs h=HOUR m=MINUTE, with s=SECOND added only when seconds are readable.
h=10 m=2
